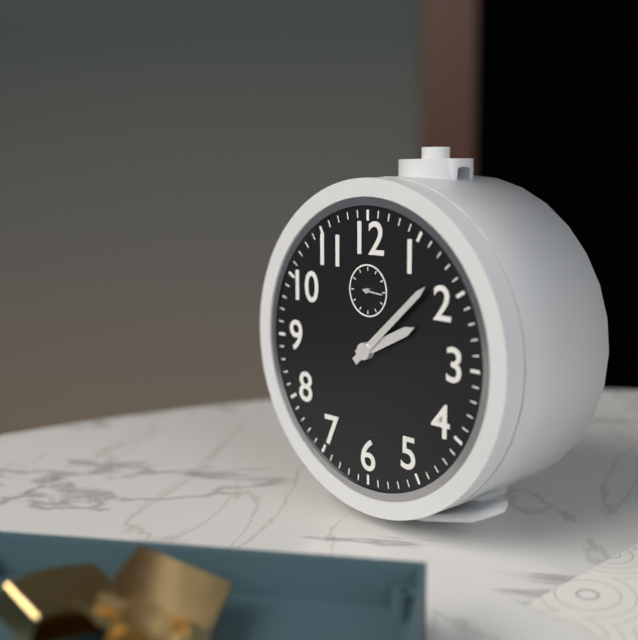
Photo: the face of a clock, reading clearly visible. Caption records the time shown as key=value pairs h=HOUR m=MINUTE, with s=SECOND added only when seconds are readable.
h=2 m=8
